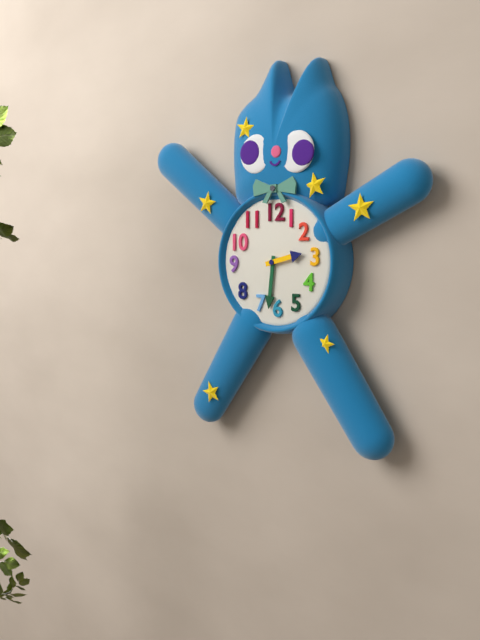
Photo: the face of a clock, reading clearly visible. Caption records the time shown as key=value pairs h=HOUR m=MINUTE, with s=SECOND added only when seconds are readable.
h=2 m=31
